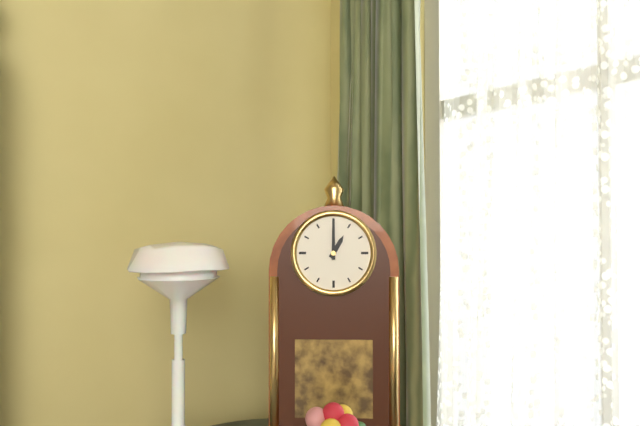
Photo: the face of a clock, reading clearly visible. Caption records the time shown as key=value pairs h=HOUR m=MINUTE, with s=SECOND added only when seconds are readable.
h=1 m=0
